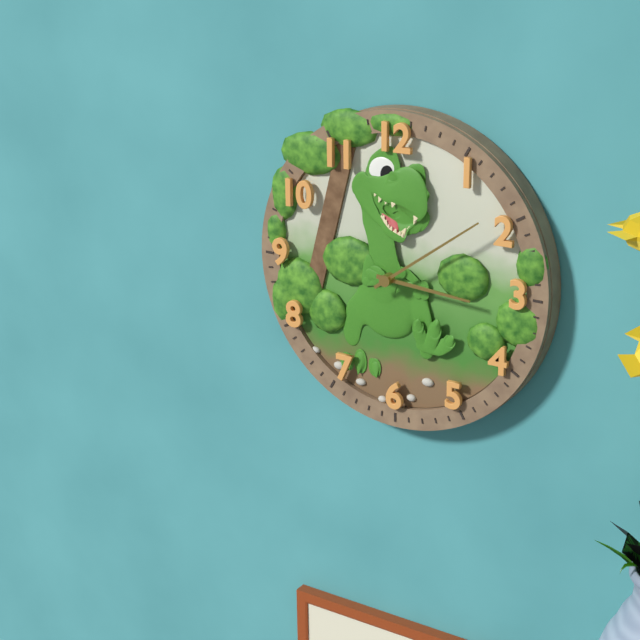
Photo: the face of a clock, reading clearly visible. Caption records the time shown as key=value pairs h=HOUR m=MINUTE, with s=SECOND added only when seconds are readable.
h=3 m=9
